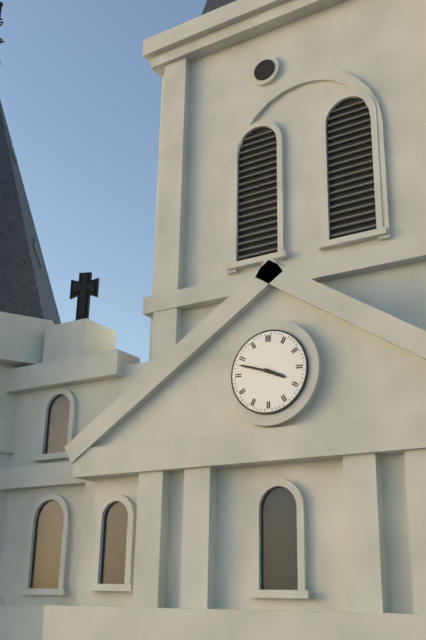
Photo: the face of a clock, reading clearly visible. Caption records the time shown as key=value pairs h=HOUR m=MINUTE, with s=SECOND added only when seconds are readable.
h=3 m=48
